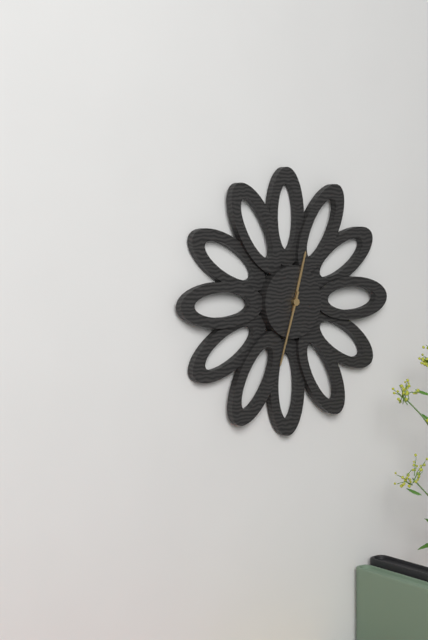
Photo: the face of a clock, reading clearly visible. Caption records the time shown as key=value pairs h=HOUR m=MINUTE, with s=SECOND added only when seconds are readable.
h=12 m=33
